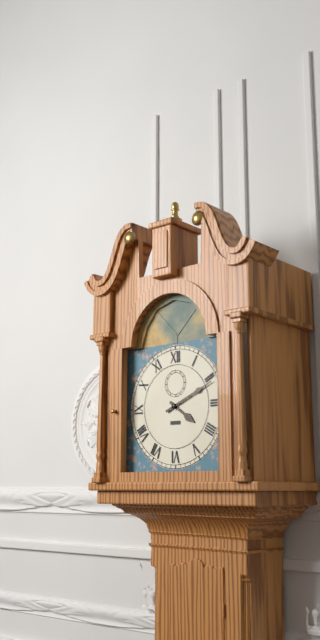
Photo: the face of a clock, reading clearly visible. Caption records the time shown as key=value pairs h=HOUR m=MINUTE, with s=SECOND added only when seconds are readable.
h=4 m=11
